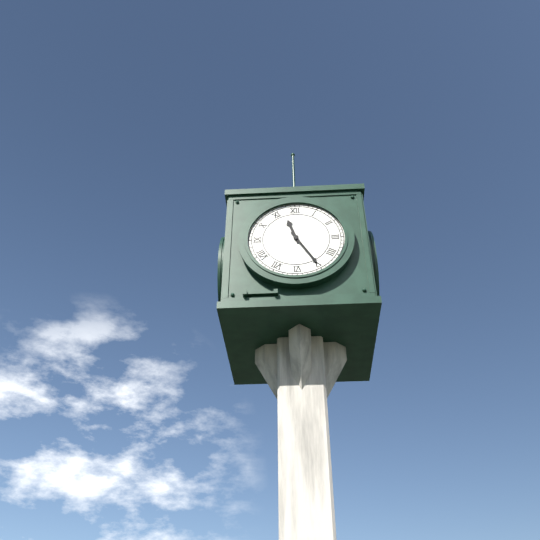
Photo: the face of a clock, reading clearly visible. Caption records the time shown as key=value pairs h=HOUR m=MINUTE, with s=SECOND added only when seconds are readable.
h=11 m=25
